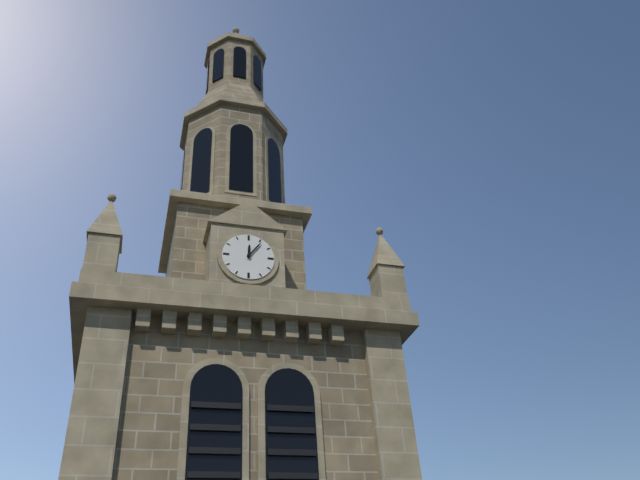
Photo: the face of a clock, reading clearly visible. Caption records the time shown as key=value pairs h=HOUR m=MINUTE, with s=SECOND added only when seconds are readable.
h=12 m=6
